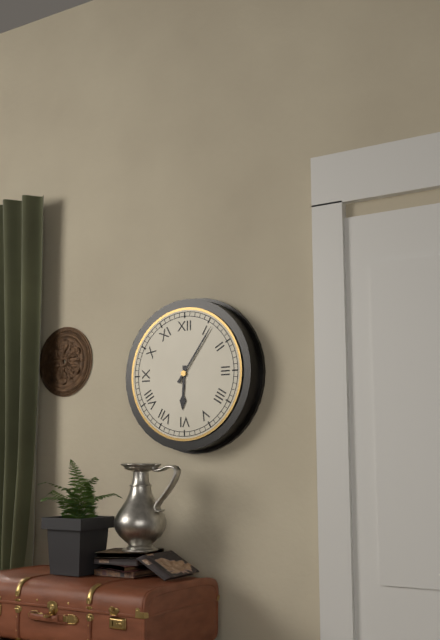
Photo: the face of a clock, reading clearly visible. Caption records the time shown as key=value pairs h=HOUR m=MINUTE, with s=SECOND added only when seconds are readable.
h=6 m=6
